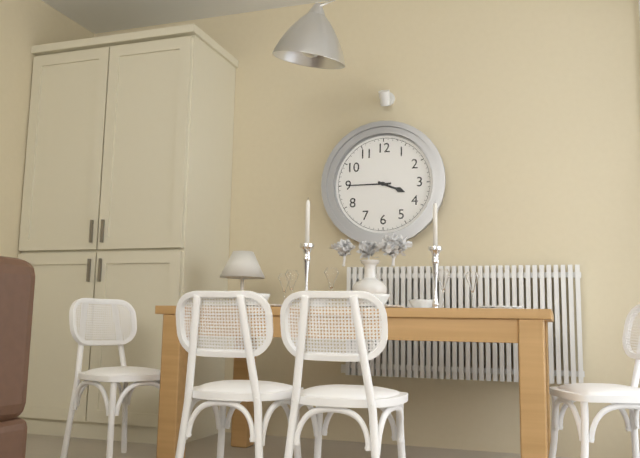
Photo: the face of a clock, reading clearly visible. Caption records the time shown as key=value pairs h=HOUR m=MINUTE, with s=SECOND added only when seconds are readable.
h=3 m=45
